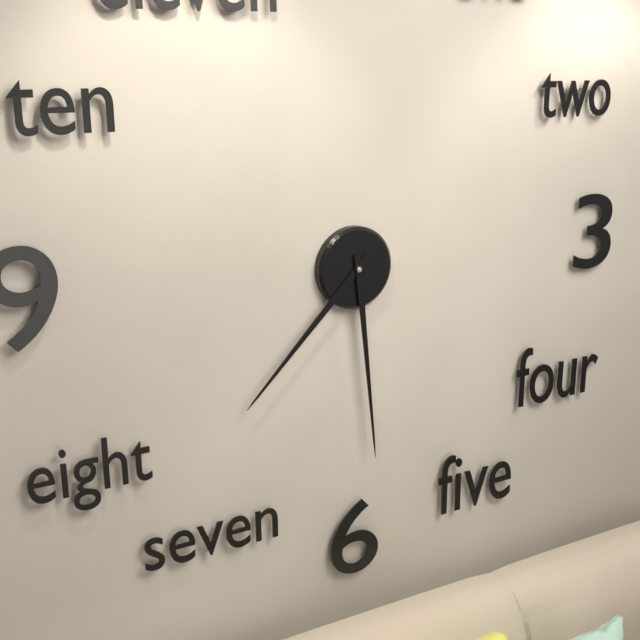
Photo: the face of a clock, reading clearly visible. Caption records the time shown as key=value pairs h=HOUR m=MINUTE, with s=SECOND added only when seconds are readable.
h=7 m=29
